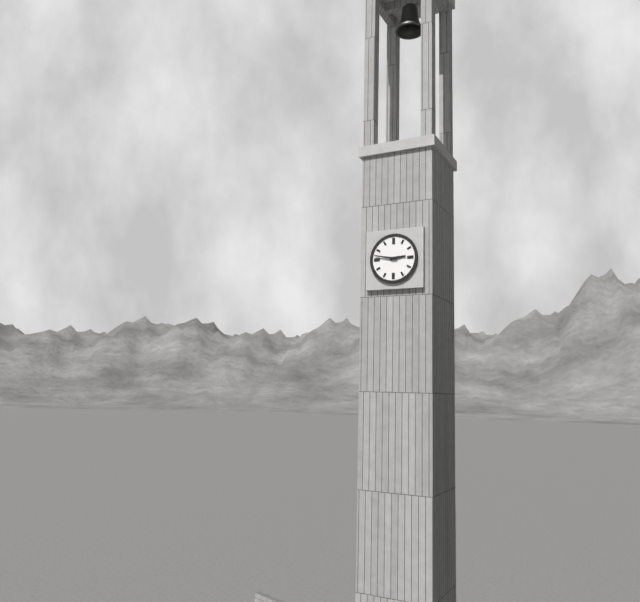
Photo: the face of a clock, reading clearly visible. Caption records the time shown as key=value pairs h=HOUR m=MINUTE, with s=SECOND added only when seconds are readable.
h=2 m=47
